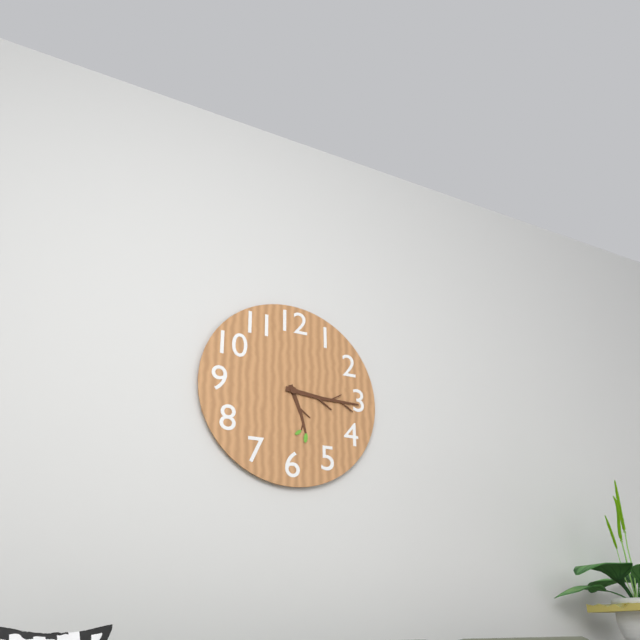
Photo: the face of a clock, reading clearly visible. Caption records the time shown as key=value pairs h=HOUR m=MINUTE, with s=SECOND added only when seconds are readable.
h=5 m=16
